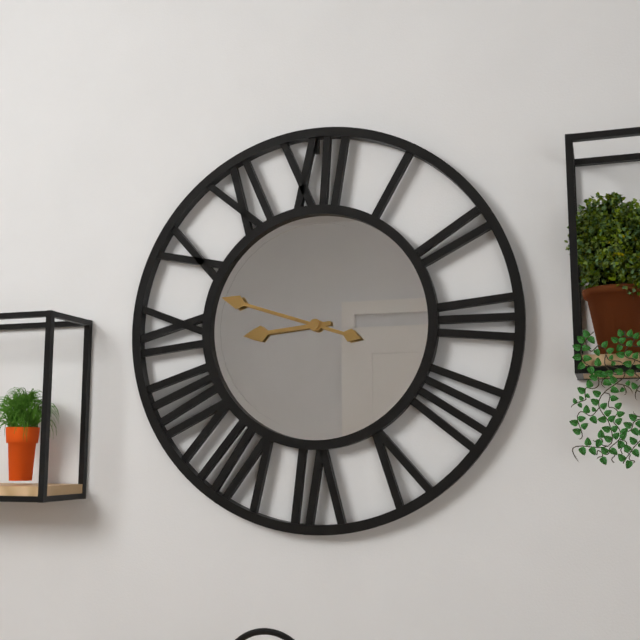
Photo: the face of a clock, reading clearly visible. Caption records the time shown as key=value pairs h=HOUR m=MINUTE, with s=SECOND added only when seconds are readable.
h=8 m=48
